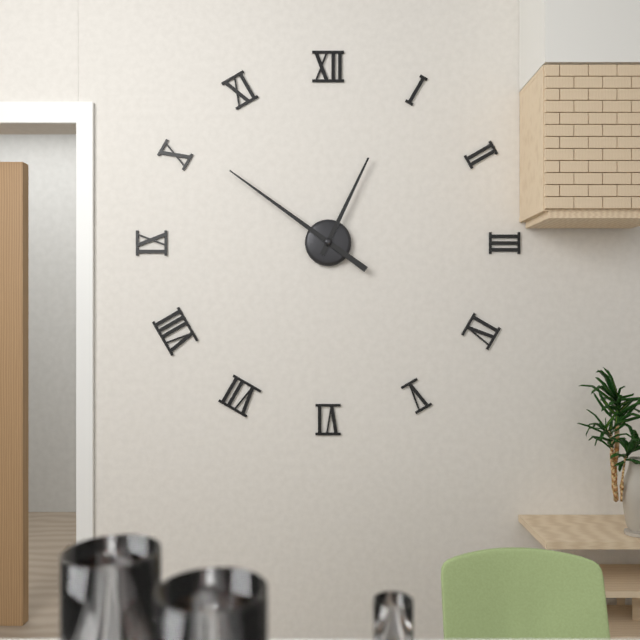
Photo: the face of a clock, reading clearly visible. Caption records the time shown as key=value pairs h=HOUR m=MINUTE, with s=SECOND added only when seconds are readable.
h=12 m=51
